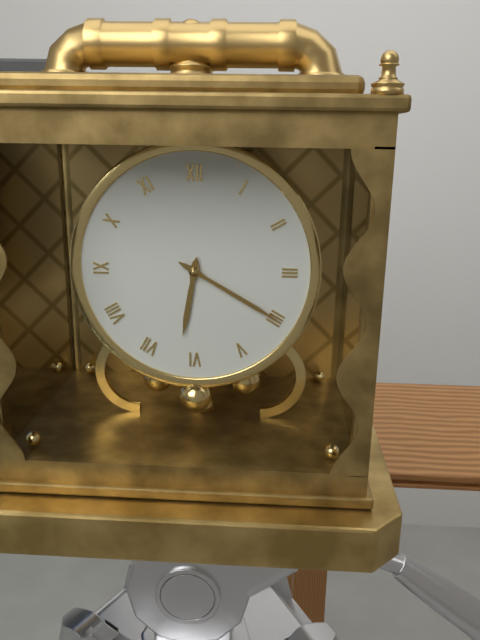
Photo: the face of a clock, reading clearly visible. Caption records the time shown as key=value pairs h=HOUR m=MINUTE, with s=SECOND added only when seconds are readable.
h=6 m=20
